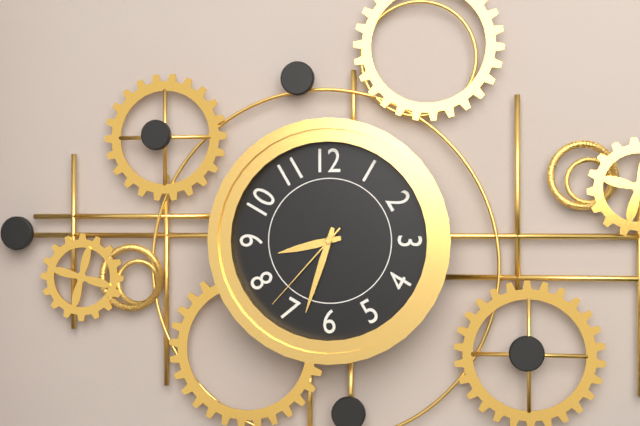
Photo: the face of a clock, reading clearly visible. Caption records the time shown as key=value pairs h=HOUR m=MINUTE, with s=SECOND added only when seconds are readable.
h=8 m=33 s=37
